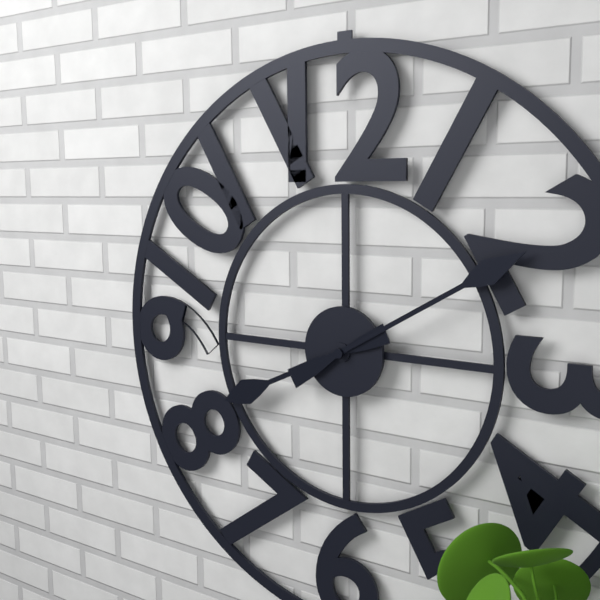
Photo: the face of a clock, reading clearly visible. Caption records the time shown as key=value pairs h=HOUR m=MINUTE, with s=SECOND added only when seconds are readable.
h=8 m=10
